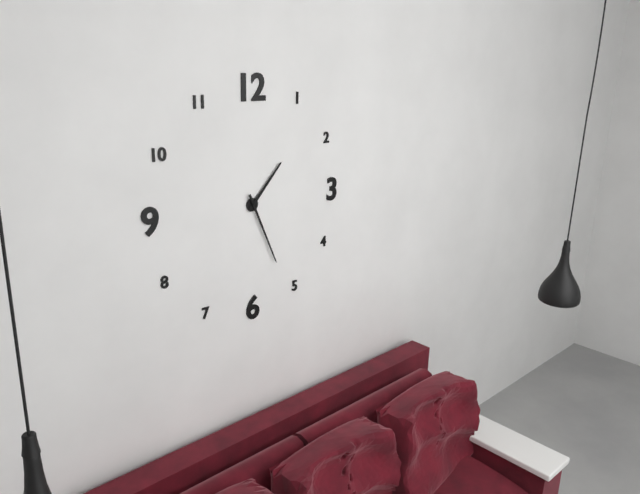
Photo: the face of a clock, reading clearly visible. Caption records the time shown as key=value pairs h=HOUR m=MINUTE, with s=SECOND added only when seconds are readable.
h=1 m=26
